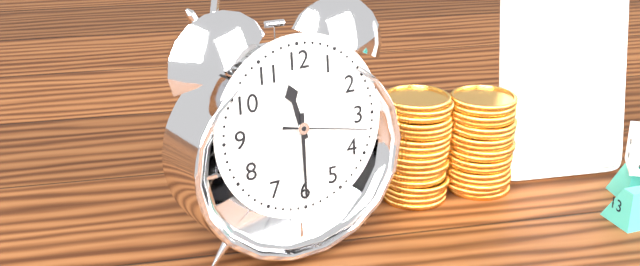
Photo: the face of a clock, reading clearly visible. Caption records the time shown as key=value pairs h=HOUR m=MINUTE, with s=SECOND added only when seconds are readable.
h=11 m=30 s=17
